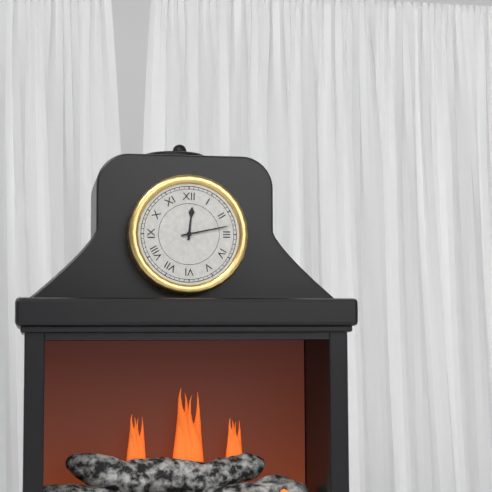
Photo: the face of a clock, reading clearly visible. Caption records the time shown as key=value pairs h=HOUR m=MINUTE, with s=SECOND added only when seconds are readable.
h=12 m=13
